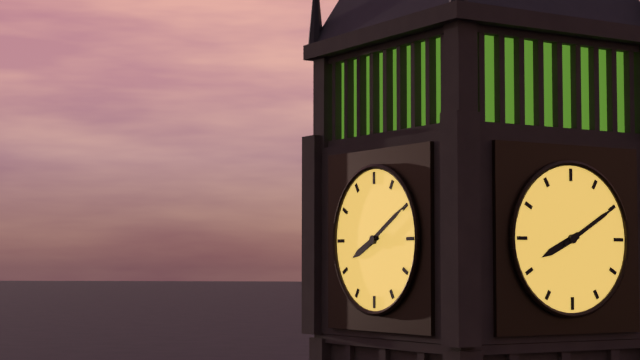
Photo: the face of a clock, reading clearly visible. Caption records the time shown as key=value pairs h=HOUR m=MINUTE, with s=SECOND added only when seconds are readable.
h=8 m=10
